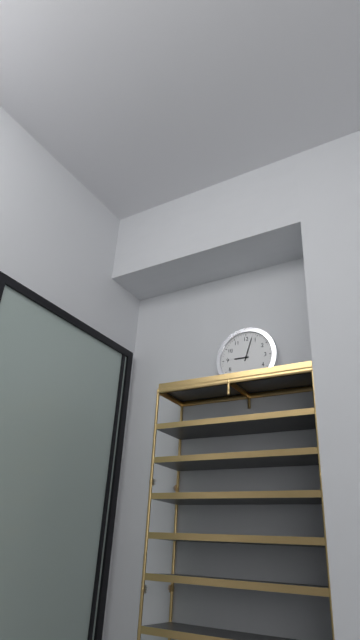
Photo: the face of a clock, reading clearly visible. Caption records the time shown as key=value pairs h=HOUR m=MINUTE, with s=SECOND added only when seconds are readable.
h=9 m=3
